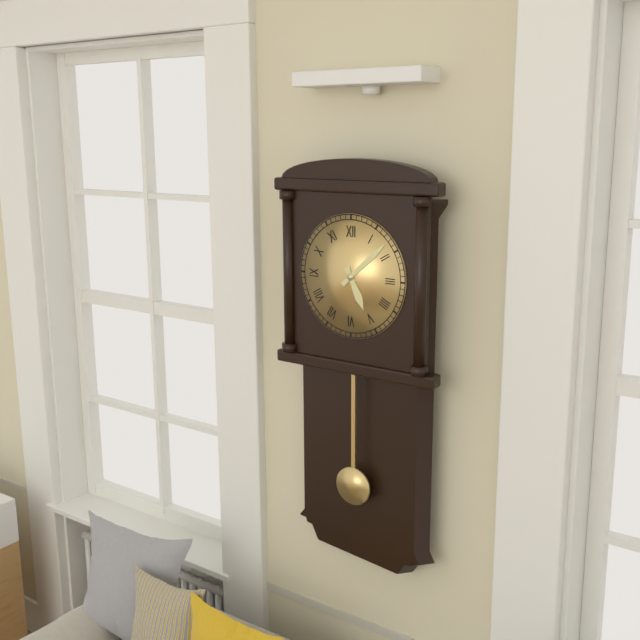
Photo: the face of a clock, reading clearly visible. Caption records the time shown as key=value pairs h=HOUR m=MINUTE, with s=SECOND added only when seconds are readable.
h=5 m=8
